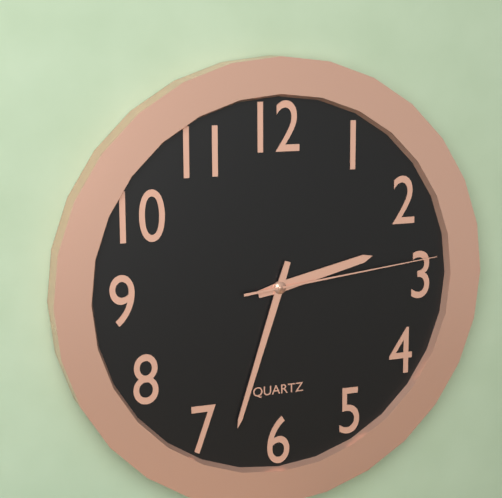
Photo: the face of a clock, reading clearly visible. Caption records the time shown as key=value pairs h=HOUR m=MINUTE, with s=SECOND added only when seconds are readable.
h=2 m=33 s=14
